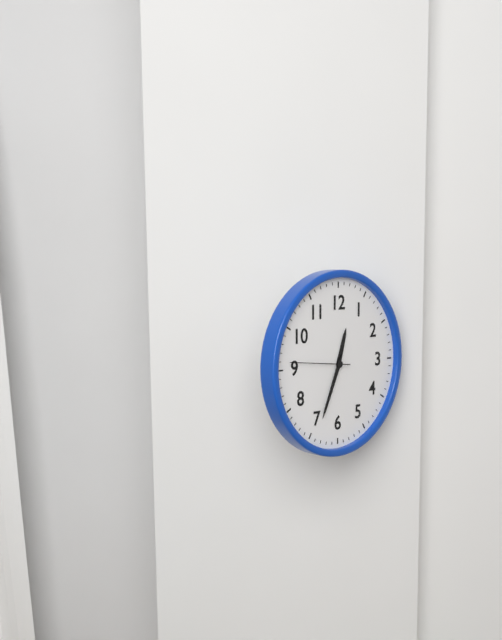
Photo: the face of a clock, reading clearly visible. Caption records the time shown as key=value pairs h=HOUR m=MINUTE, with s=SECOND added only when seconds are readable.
h=12 m=34 s=46
